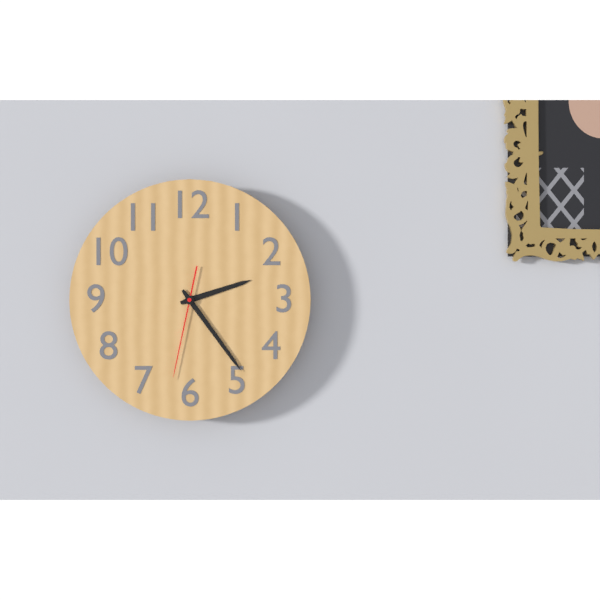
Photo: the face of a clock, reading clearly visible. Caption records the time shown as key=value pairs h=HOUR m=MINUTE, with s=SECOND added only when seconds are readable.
h=2 m=24 s=32
